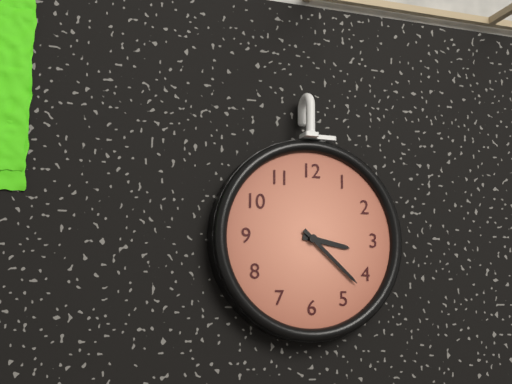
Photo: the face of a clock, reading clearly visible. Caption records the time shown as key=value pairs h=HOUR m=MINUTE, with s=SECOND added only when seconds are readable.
h=3 m=22
